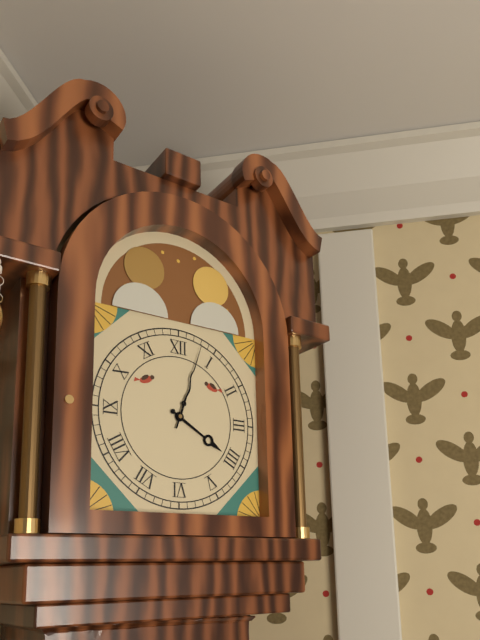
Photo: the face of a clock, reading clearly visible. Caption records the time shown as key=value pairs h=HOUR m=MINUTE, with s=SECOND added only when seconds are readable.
h=4 m=3
